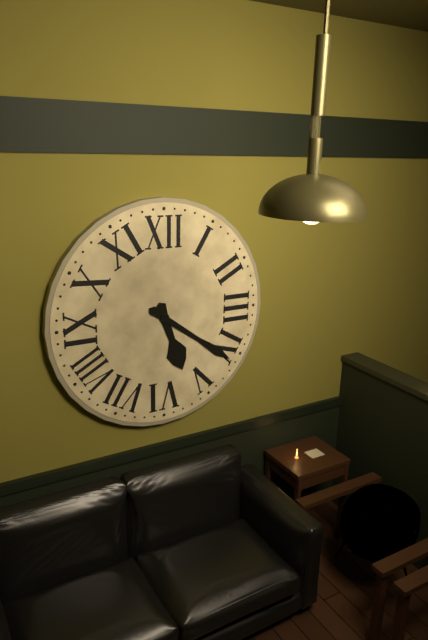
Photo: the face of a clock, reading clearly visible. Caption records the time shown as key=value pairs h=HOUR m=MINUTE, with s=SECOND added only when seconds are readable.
h=5 m=21
